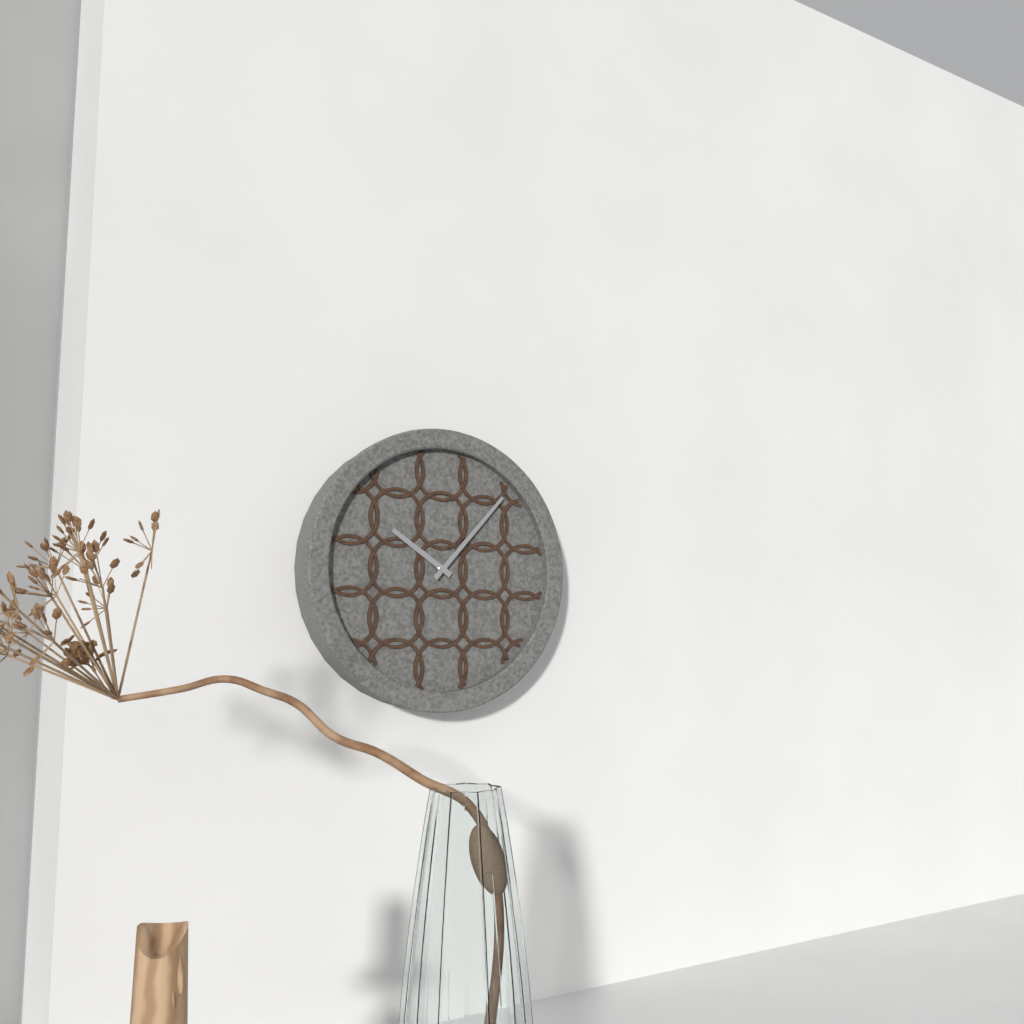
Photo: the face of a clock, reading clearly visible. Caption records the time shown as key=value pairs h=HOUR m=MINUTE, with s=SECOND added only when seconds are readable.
h=10 m=7
